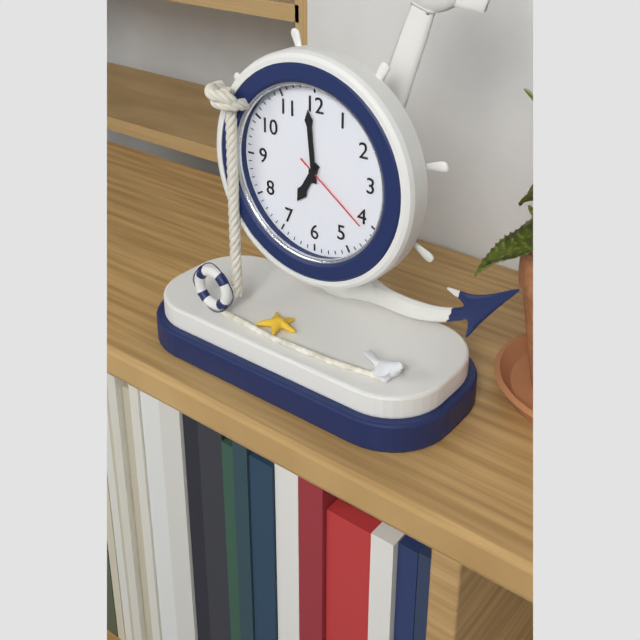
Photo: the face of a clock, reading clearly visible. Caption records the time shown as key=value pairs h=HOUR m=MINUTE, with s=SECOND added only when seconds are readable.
h=6 m=59 s=21
